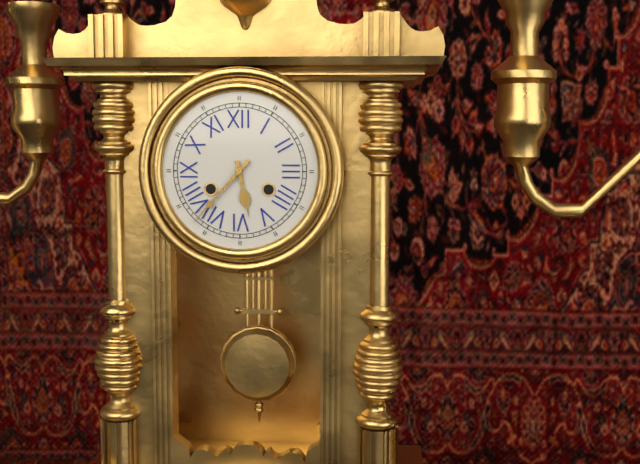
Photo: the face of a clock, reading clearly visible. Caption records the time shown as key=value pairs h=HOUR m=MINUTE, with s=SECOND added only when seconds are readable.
h=5 m=37
